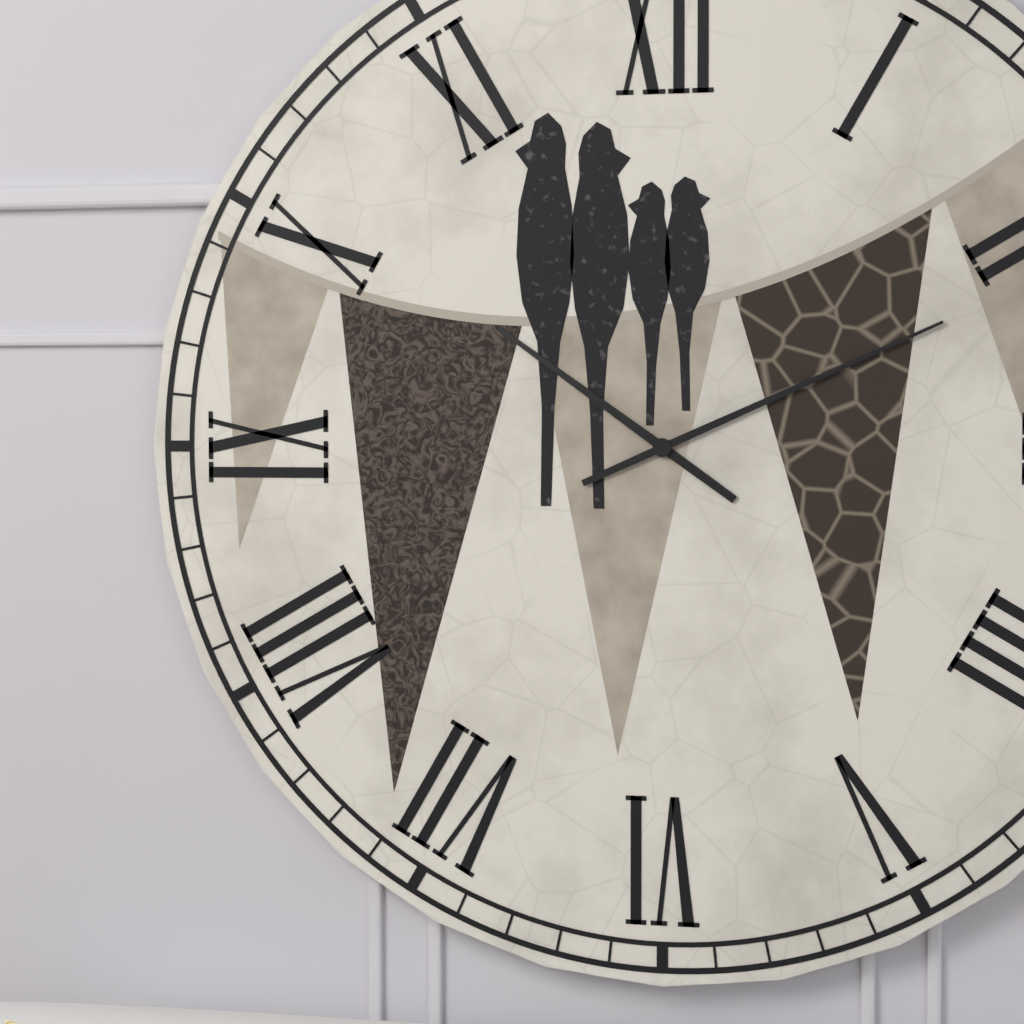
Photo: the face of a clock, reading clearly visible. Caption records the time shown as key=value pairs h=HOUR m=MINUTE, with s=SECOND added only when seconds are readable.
h=10 m=11
